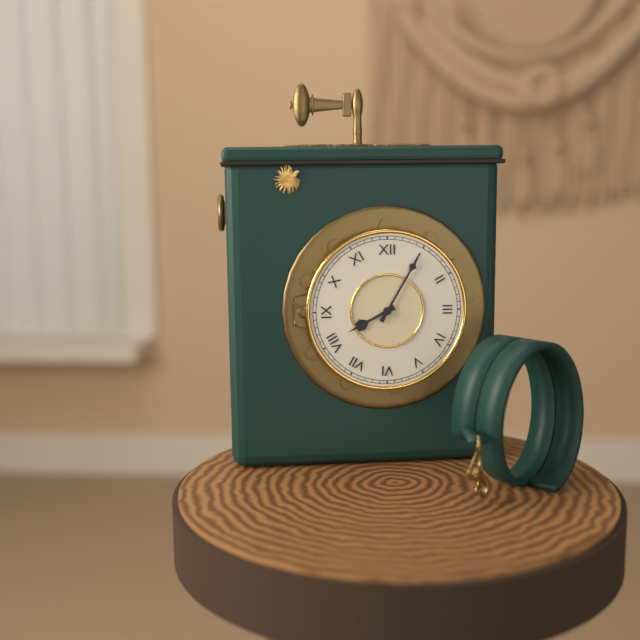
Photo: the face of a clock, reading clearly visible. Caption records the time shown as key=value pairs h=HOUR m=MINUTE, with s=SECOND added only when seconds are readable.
h=8 m=5
